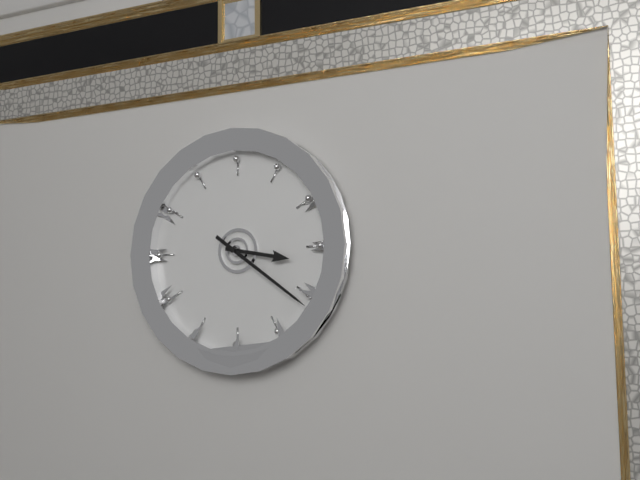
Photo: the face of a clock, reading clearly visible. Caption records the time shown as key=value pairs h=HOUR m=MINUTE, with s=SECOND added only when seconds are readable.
h=3 m=21
